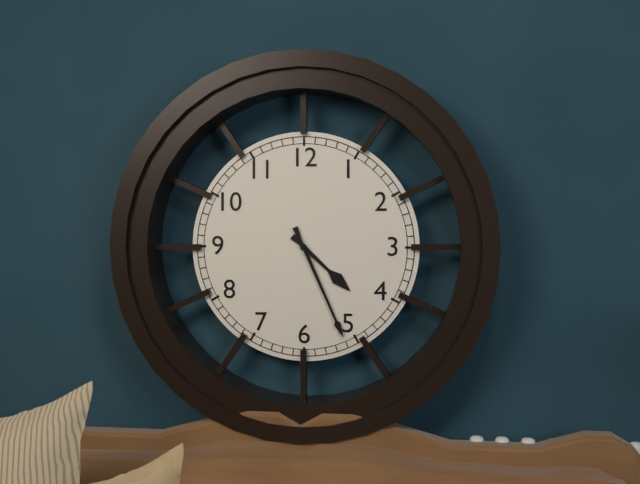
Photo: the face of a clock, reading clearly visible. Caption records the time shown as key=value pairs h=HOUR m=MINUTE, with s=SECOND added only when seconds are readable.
h=4 m=26
